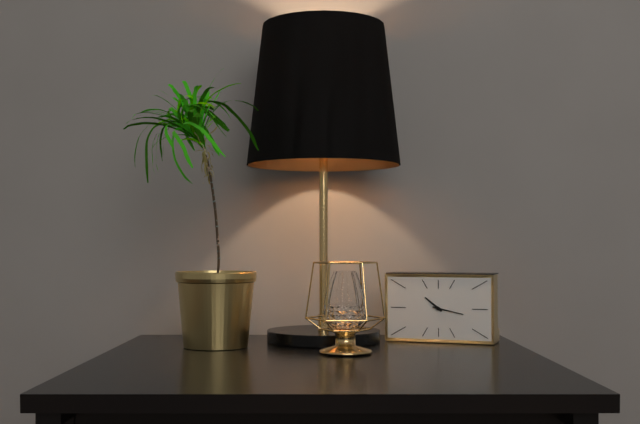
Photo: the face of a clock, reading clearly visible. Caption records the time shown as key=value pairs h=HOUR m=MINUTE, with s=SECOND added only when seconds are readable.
h=10 m=17
